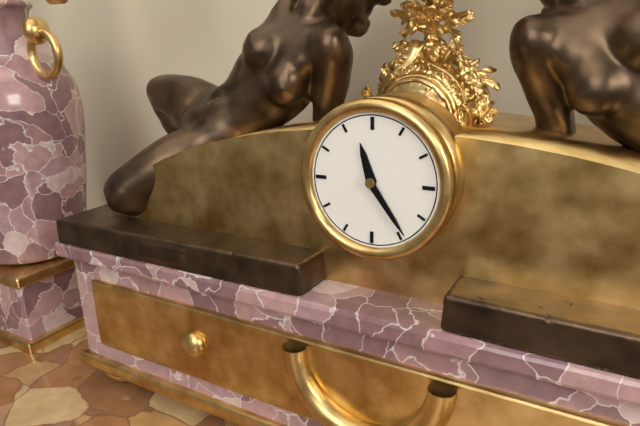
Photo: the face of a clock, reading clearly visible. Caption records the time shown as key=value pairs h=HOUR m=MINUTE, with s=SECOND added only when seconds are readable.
h=11 m=24
